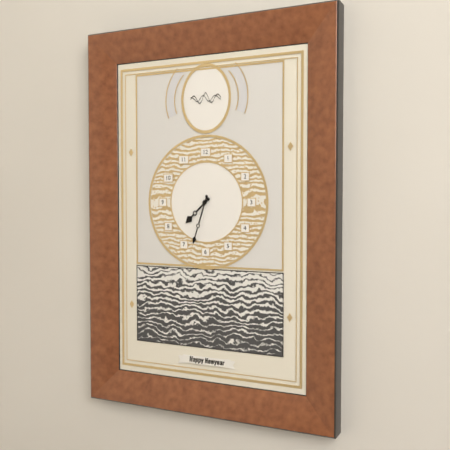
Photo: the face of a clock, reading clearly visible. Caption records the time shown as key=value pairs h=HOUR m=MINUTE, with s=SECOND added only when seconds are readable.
h=7 m=33
